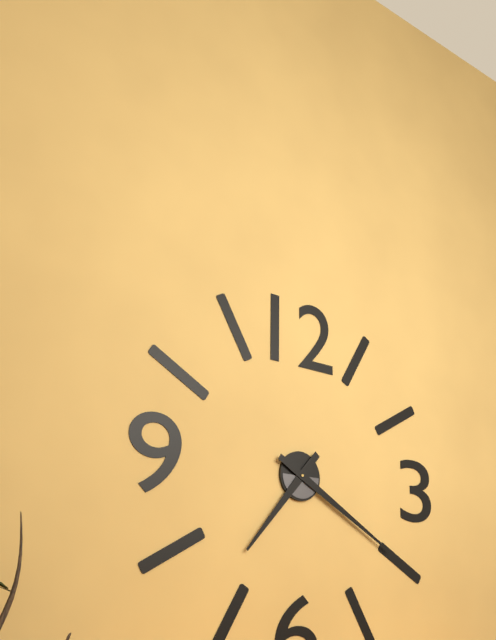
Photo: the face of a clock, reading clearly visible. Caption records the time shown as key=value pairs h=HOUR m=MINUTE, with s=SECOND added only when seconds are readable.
h=7 m=20
